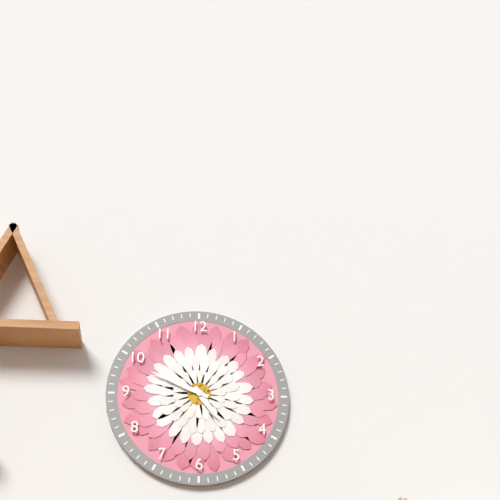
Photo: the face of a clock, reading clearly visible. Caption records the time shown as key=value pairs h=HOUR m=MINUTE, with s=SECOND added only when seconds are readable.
h=4 m=49
